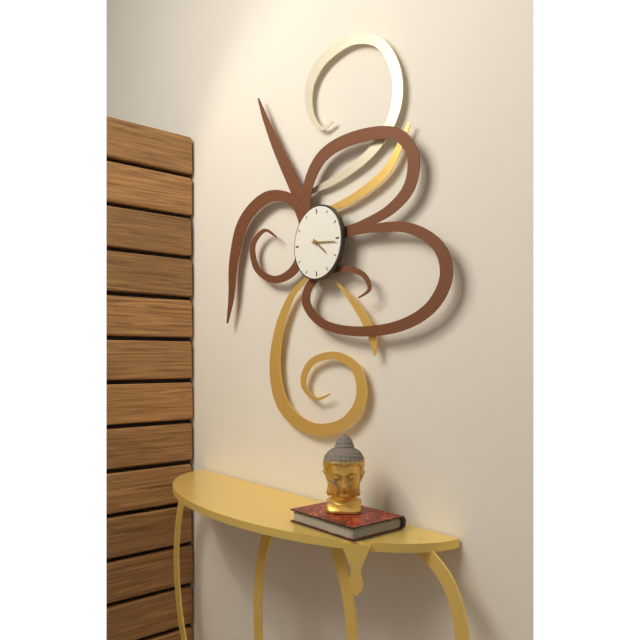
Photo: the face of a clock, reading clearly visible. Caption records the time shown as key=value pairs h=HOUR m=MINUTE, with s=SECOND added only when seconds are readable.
h=4 m=16
